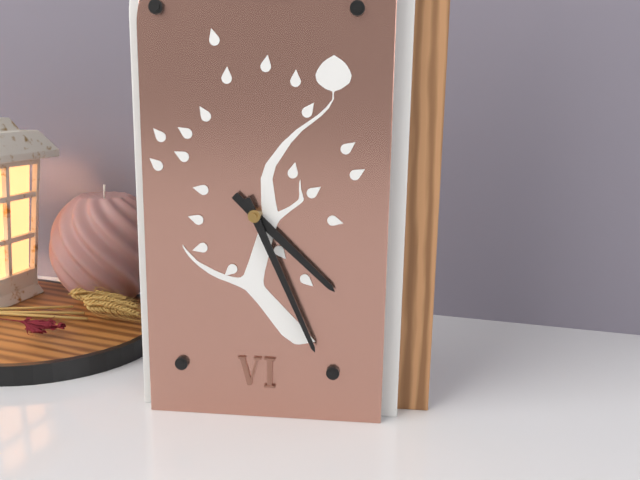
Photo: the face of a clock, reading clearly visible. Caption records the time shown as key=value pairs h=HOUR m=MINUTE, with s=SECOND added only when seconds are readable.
h=4 m=26
